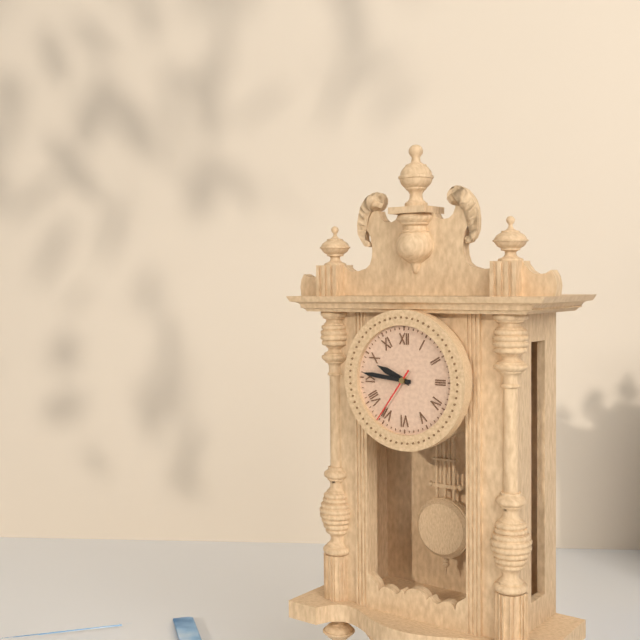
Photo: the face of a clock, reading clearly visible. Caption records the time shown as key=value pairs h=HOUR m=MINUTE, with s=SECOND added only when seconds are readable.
h=9 m=46 s=36
